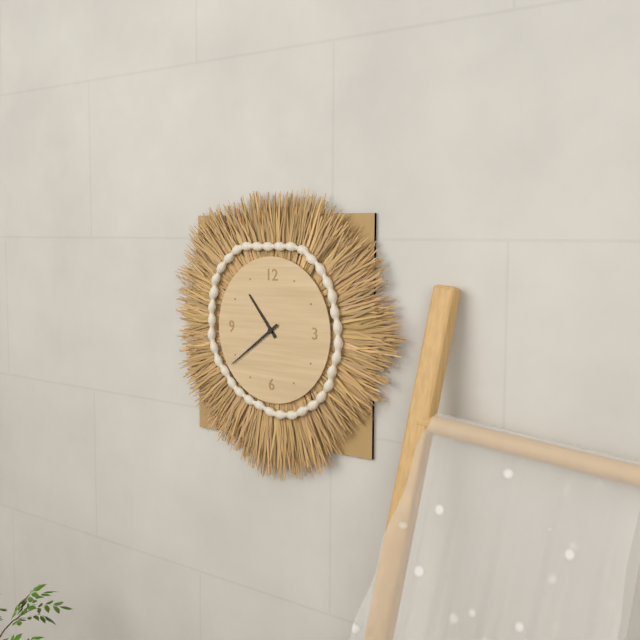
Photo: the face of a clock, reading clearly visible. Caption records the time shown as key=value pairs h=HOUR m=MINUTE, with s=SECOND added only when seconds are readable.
h=10 m=39
